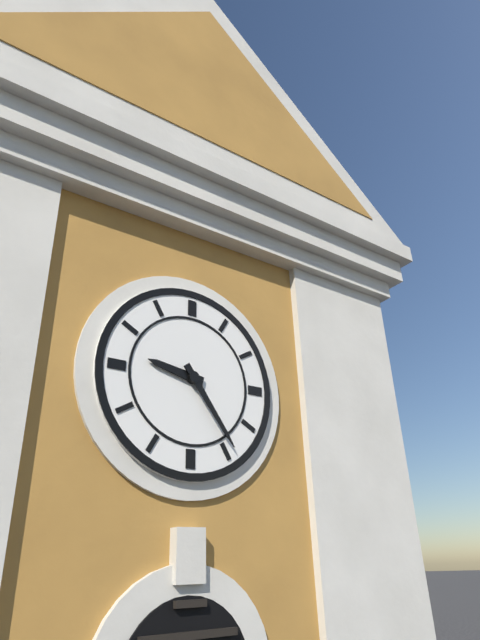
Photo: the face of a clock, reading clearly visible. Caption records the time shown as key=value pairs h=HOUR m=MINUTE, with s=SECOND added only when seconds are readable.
h=9 m=24
